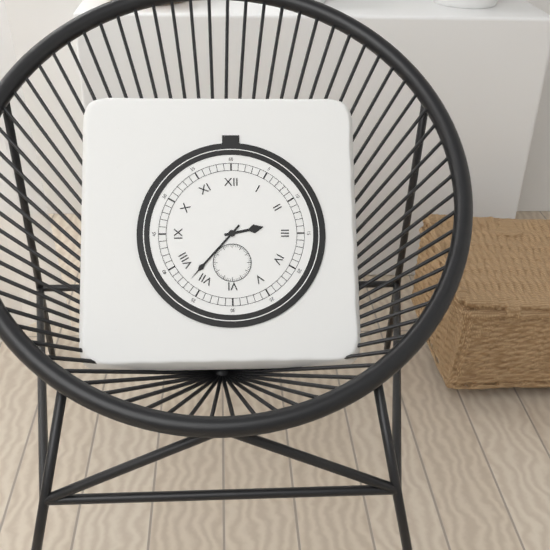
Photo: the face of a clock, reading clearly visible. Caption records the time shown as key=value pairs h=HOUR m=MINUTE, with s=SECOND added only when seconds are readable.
h=2 m=37
